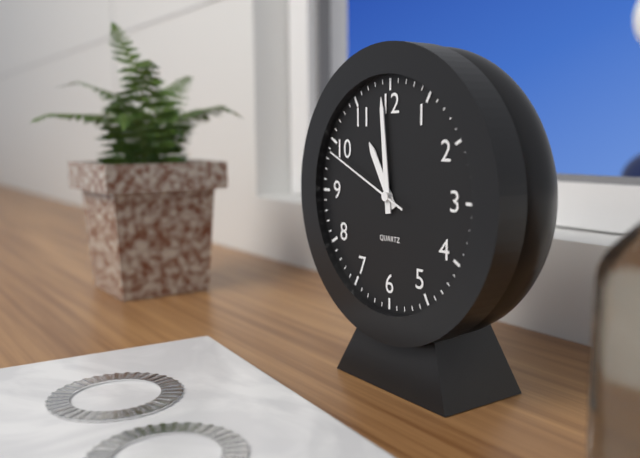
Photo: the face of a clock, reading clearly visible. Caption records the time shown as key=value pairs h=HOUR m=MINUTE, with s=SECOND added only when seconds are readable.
h=10 m=59 s=49
